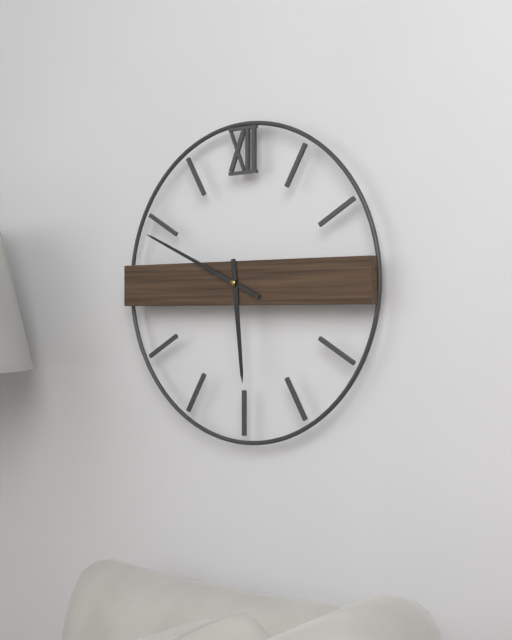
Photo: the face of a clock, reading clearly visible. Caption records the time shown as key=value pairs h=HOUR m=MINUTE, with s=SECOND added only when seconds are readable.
h=5 m=49
